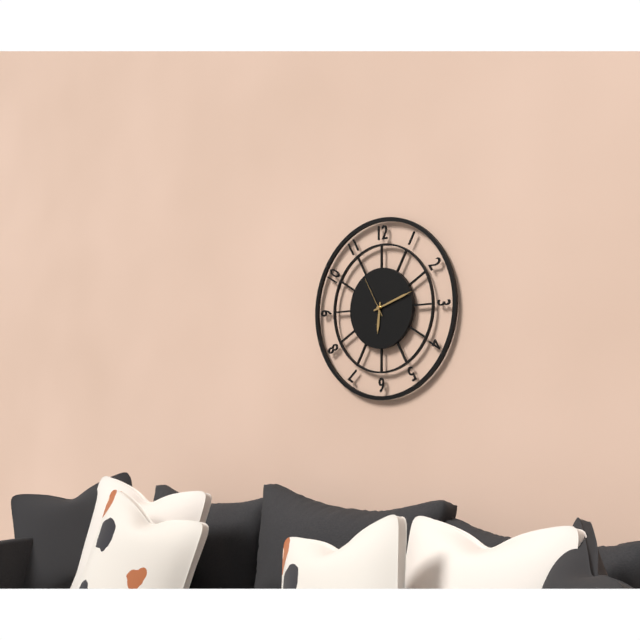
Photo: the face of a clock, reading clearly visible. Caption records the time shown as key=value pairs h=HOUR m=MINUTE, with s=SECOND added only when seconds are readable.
h=6 m=12
